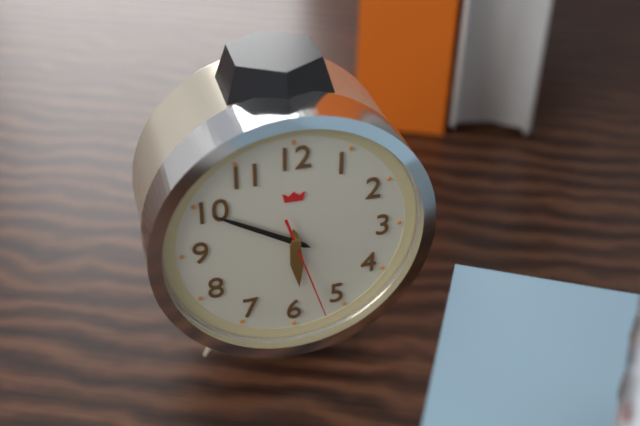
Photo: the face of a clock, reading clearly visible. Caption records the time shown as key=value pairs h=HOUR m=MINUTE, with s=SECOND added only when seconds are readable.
h=5 m=50 s=27
